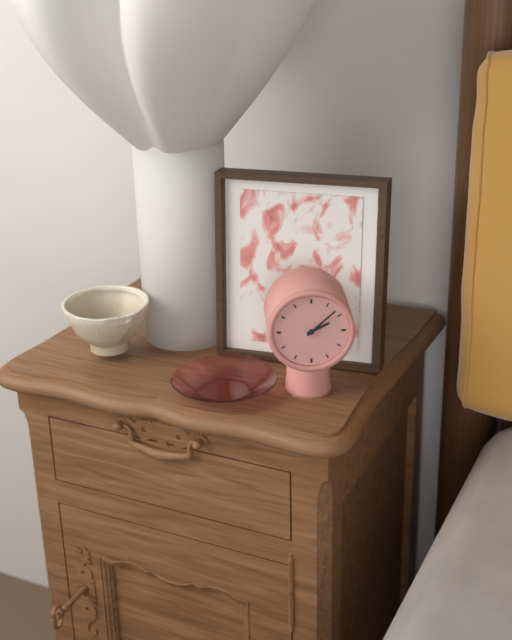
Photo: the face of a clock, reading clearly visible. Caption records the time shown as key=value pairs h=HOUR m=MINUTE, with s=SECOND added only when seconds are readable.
h=2 m=8
